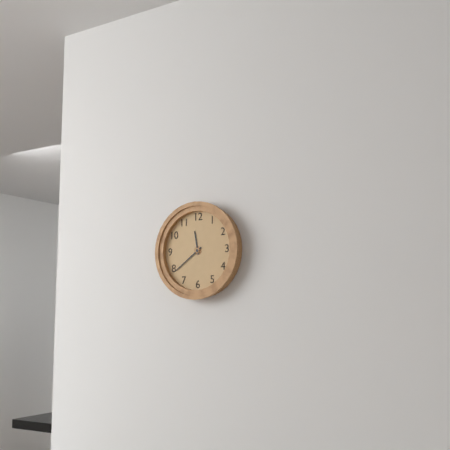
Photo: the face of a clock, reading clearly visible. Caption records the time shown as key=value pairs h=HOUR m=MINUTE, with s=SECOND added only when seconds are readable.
h=11 m=39
